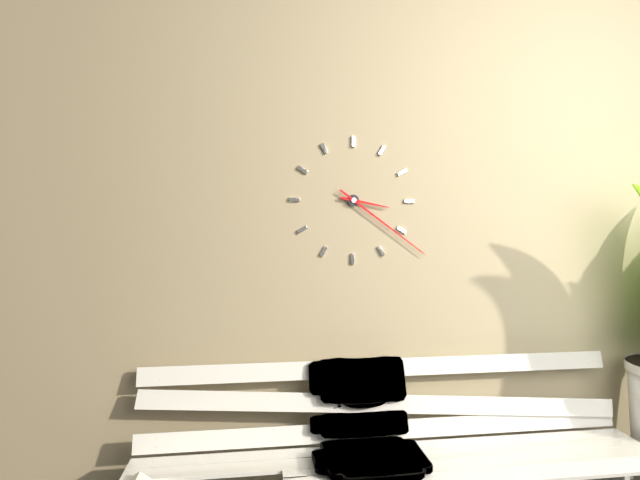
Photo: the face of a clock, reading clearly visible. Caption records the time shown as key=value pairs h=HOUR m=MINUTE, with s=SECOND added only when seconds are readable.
h=3 m=21
